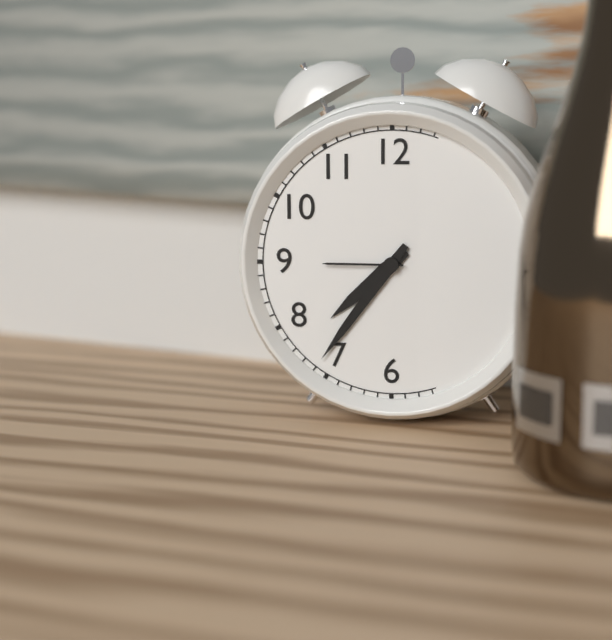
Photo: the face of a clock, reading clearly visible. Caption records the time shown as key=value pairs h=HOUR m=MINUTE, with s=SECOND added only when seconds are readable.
h=7 m=36
